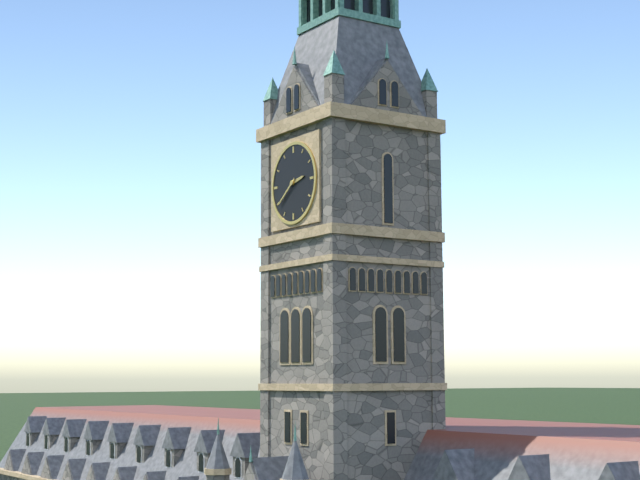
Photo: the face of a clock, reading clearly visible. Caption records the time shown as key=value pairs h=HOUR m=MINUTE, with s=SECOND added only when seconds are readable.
h=2 m=39
